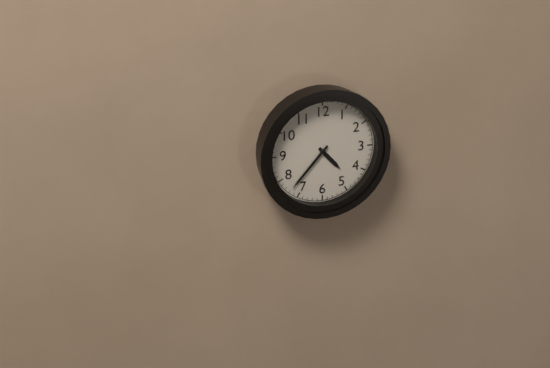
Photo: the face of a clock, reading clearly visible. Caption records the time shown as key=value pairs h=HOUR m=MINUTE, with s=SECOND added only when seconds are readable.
h=4 m=37
